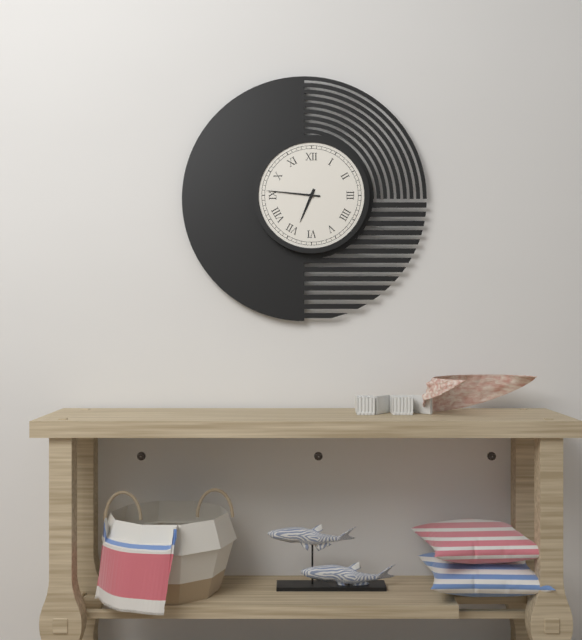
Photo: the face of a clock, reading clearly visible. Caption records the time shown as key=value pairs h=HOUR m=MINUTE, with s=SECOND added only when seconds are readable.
h=6 m=46
